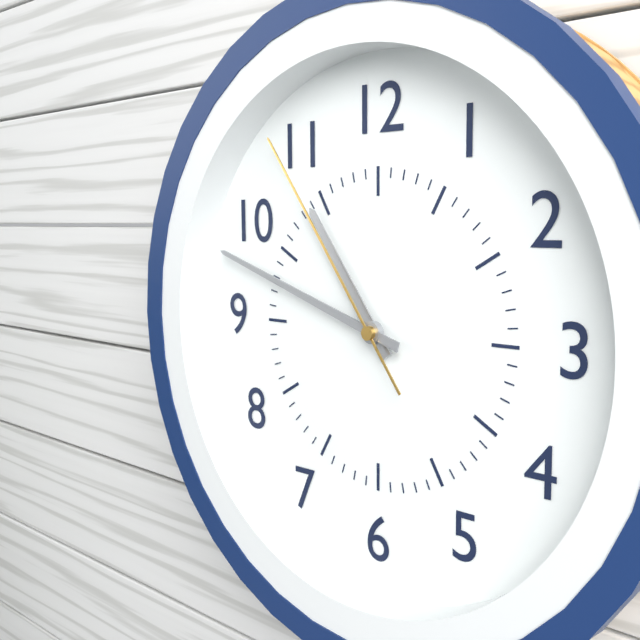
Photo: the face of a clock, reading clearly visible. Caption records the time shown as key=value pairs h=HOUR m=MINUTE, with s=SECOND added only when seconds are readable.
h=10 m=48 s=54
